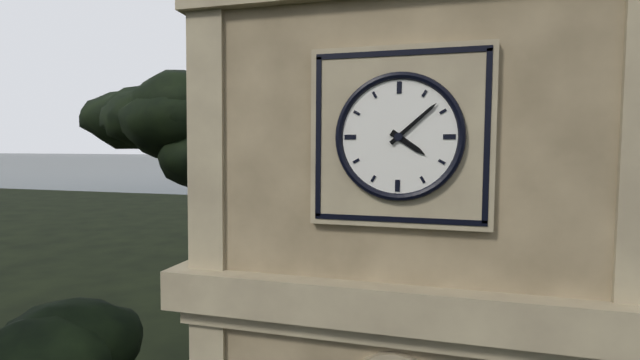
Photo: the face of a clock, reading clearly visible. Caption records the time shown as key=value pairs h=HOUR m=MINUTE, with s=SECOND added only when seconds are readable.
h=4 m=8
